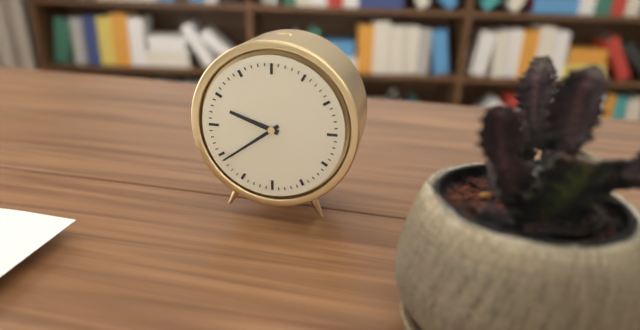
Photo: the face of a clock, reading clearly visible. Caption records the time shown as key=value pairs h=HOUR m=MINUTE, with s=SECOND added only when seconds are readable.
h=9 m=39
